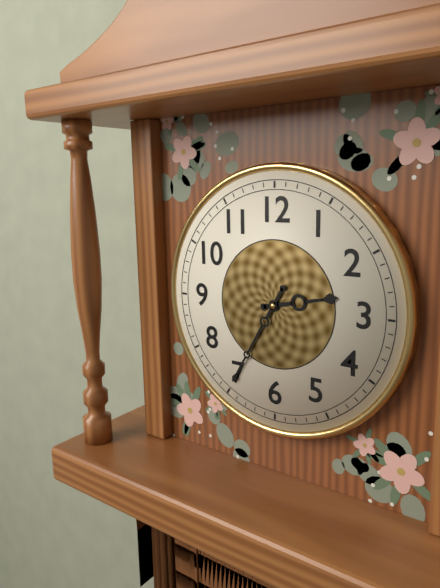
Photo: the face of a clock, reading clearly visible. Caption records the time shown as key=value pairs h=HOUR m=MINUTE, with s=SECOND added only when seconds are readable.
h=2 m=35
